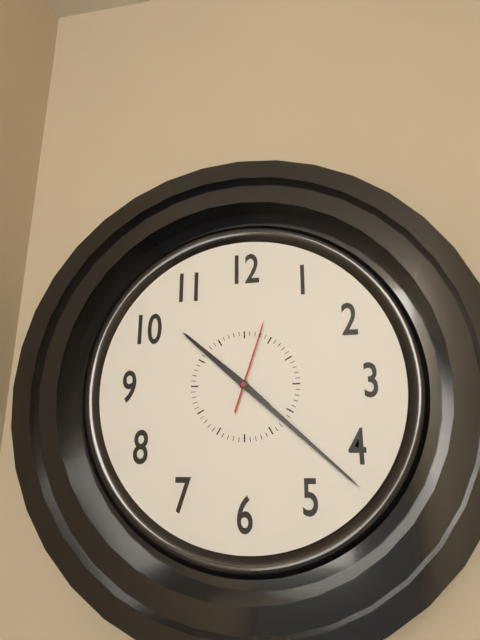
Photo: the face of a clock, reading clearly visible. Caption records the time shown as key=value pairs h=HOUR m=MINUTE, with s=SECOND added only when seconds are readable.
h=10 m=22 s=3
